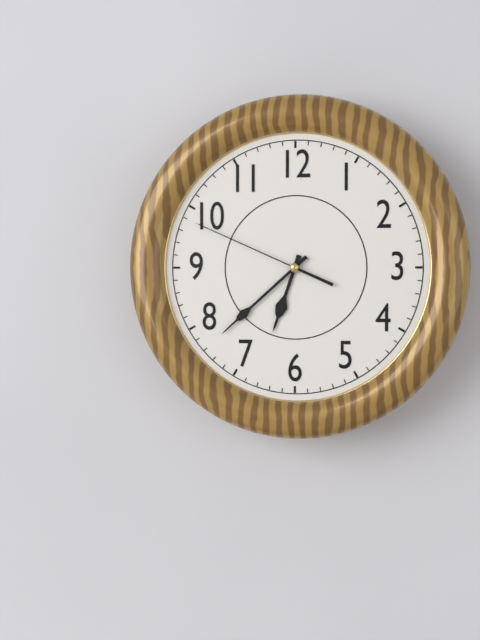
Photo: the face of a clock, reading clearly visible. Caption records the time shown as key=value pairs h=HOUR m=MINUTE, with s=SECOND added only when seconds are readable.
h=6 m=38 s=49
